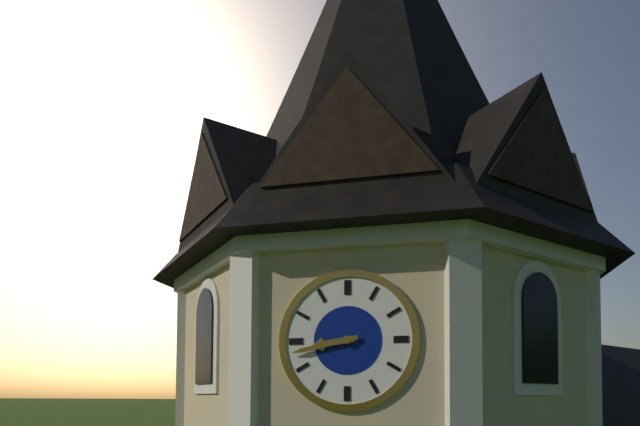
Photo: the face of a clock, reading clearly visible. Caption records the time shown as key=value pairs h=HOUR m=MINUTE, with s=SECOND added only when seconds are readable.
h=8 m=43
